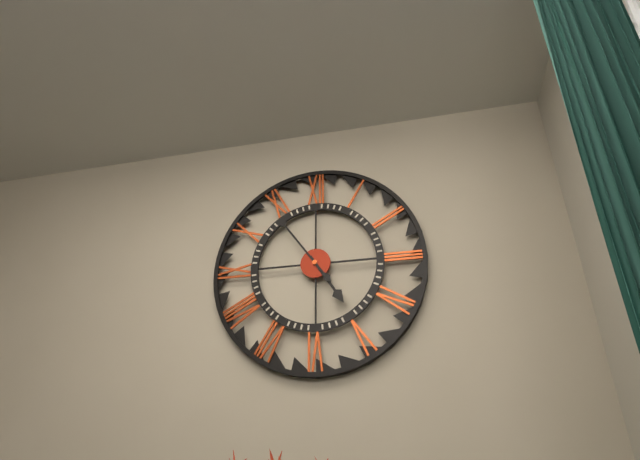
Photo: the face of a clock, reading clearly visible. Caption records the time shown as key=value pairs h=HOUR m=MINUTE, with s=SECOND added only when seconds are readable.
h=4 m=54
